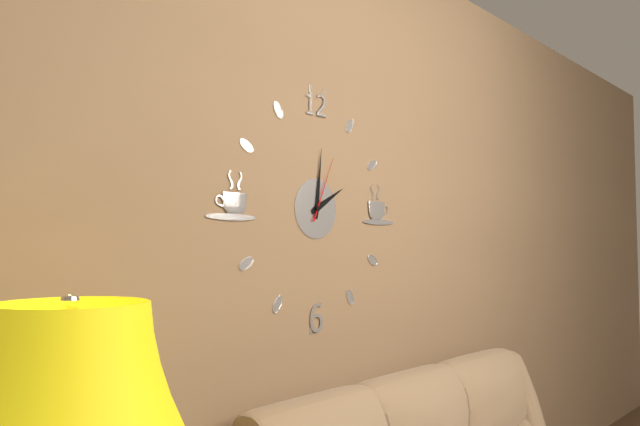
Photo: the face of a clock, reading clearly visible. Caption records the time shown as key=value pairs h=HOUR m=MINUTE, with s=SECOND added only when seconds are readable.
h=2 m=1 s=4
